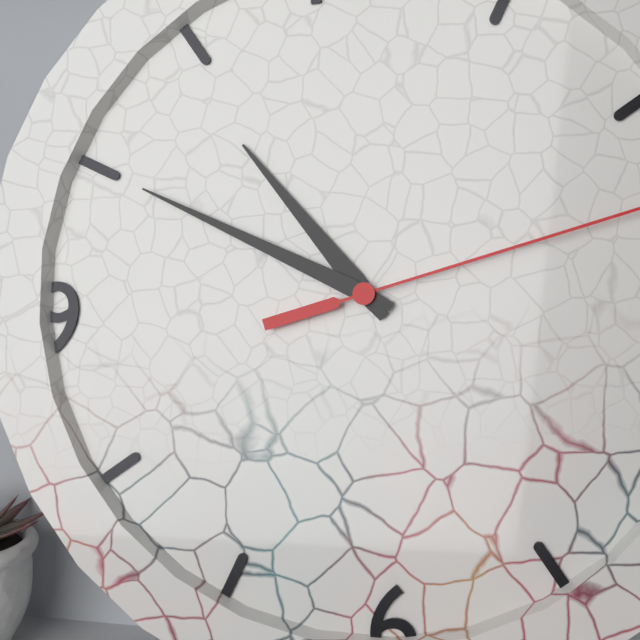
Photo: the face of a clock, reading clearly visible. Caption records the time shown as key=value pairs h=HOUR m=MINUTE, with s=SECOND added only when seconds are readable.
h=10 m=50
